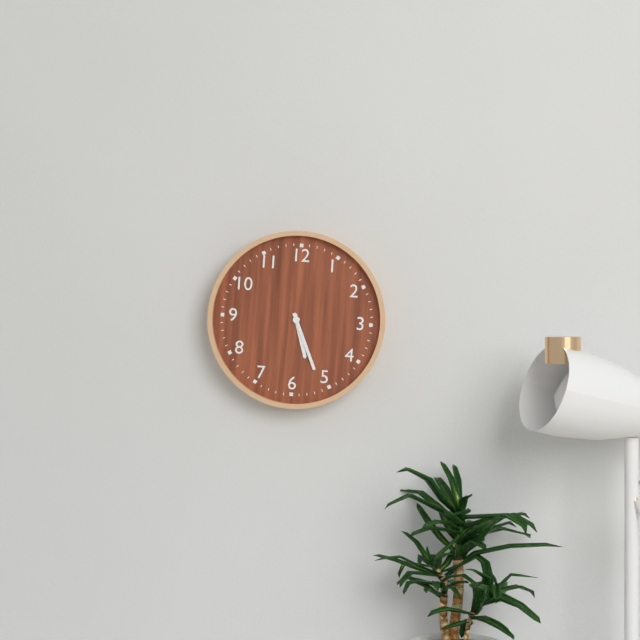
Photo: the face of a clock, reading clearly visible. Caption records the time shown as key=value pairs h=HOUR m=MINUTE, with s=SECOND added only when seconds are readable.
h=5 m=26
